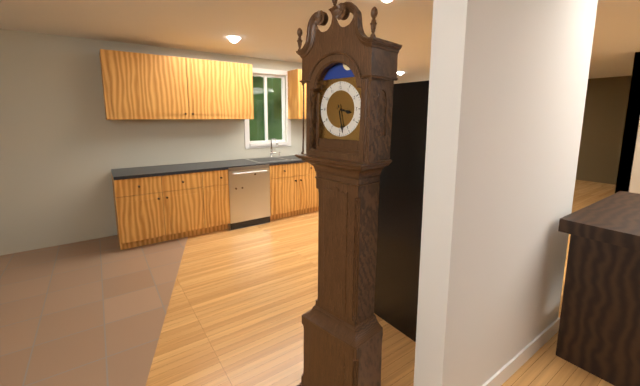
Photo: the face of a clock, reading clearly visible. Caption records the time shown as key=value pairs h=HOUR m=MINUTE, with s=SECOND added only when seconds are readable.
h=3 m=28
